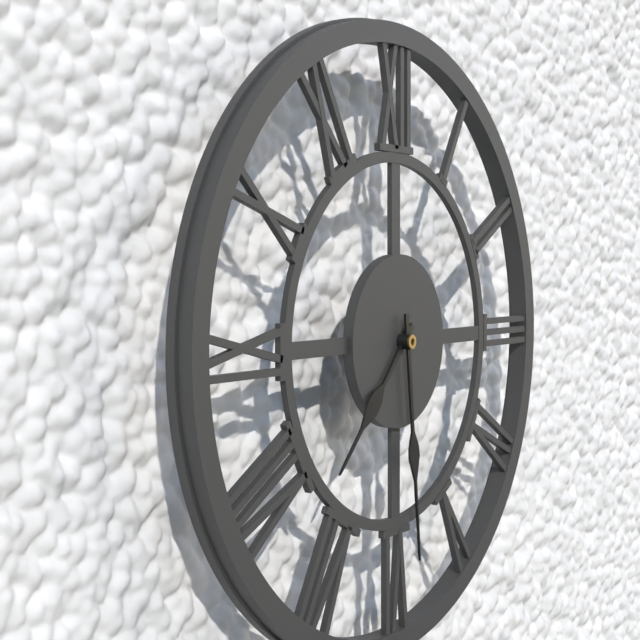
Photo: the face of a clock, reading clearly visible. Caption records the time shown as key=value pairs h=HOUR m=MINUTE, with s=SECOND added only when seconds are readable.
h=7 m=29
